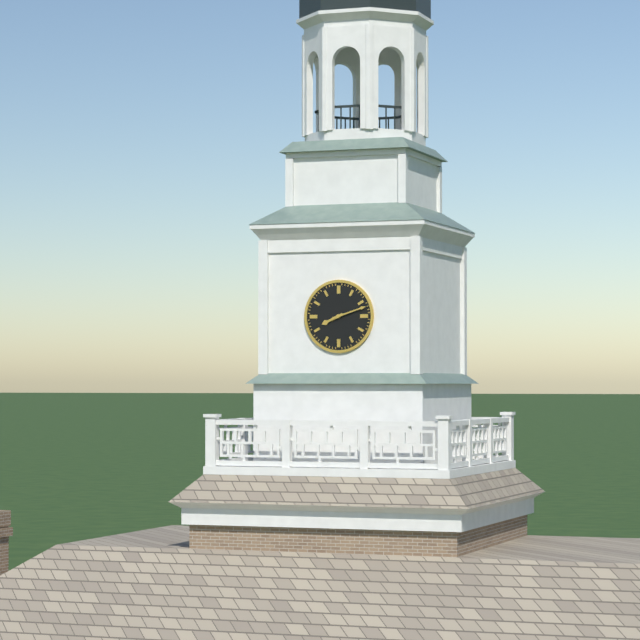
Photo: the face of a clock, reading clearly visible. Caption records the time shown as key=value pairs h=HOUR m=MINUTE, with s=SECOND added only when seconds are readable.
h=8 m=12
